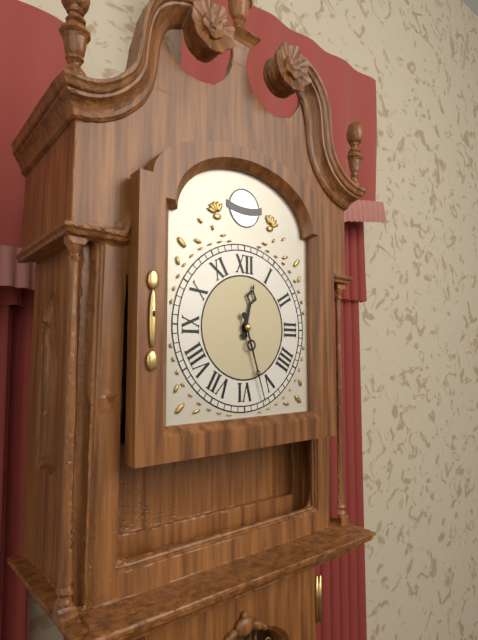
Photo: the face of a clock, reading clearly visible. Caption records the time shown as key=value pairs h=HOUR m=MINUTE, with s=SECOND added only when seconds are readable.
h=12 m=27
